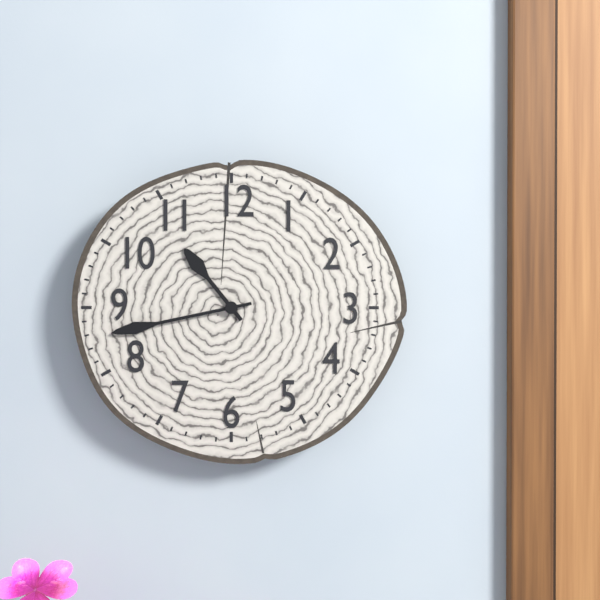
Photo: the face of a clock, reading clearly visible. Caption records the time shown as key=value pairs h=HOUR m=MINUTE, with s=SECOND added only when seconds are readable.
h=10 m=43
